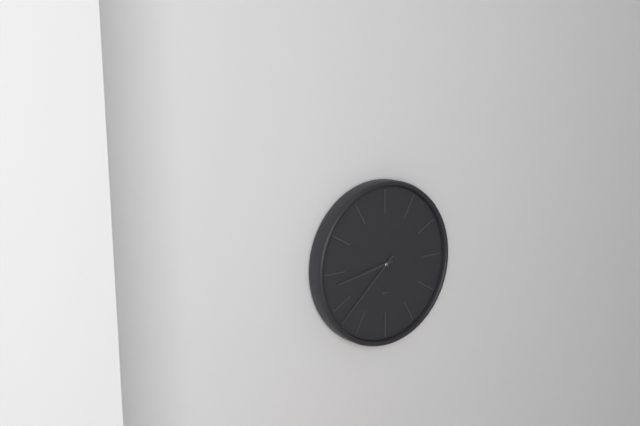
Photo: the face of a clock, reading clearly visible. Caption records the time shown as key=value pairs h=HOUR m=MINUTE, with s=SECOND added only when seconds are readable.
h=8 m=38
